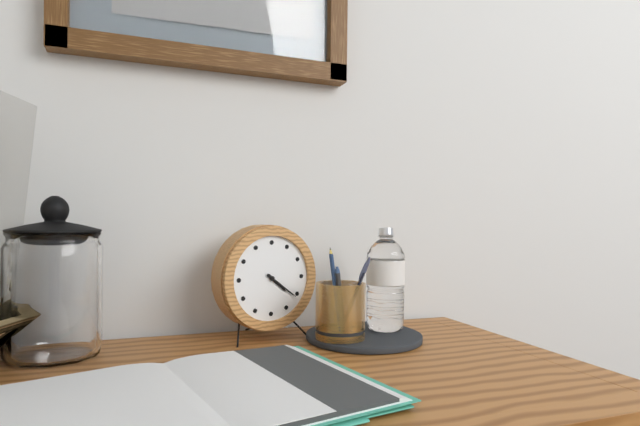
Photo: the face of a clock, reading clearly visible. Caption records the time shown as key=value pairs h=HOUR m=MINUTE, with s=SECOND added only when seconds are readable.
h=4 m=21
